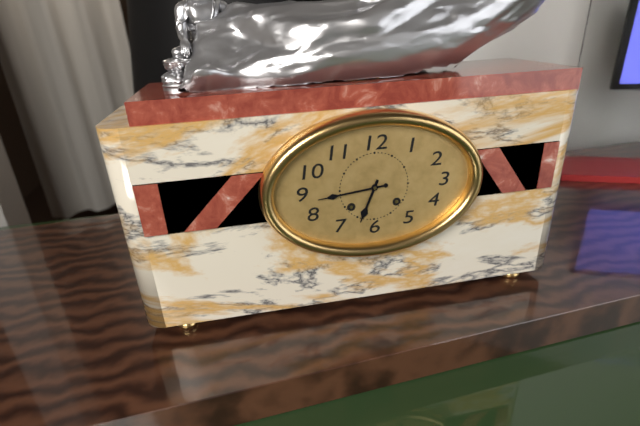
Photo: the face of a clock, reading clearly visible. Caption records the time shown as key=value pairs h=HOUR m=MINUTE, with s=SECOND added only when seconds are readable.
h=6 m=44
